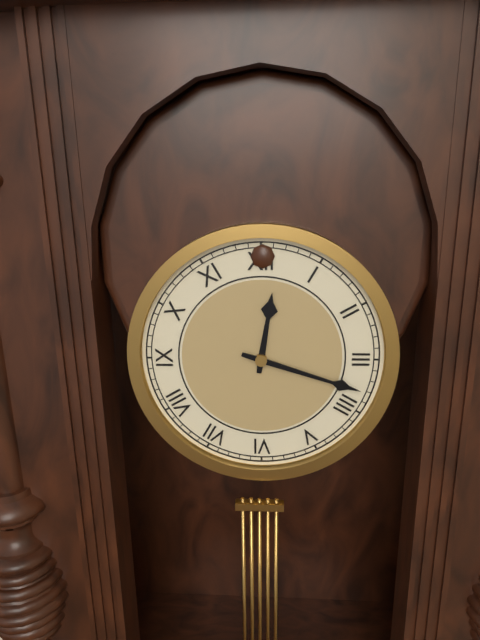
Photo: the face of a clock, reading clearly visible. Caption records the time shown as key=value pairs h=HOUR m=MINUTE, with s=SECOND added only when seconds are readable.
h=12 m=18
